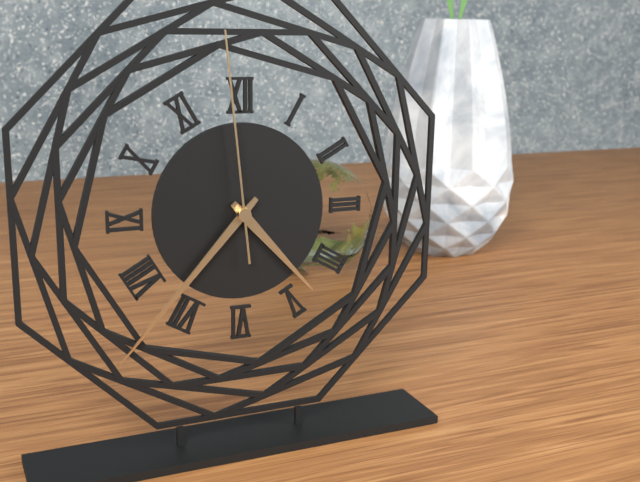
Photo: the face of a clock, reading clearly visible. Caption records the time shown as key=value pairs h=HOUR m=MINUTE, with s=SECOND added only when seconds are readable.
h=4 m=37 s=59
